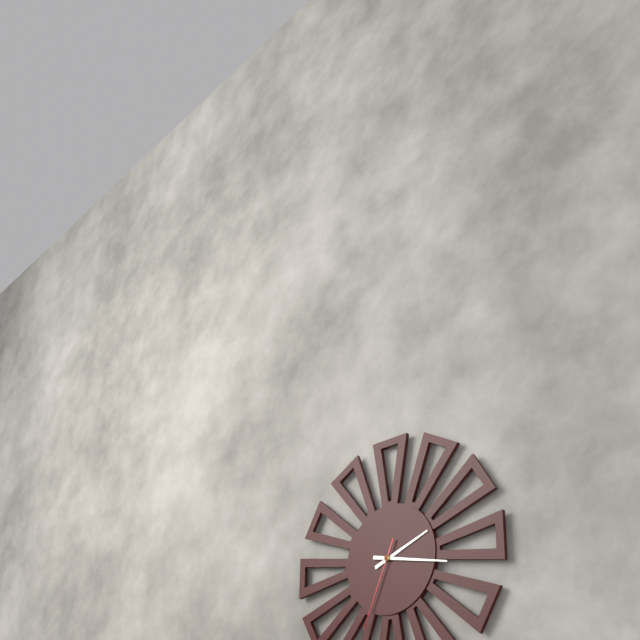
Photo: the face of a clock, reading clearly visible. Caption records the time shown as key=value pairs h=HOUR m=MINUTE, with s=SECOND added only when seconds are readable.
h=2 m=17 s=34
